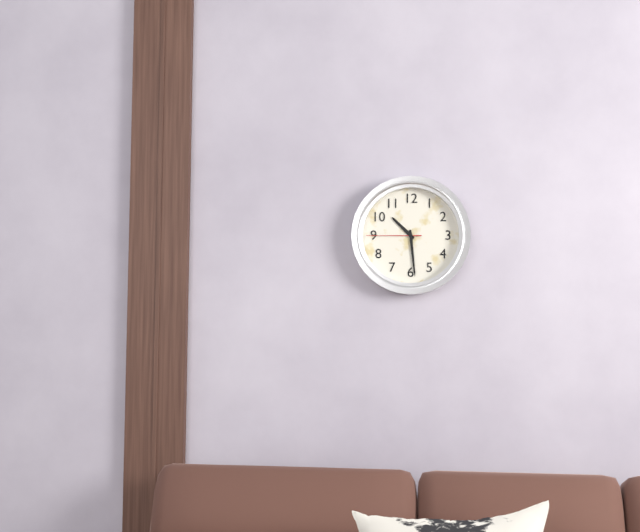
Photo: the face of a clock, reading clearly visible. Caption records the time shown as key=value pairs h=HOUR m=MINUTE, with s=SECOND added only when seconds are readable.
h=10 m=29 s=45
